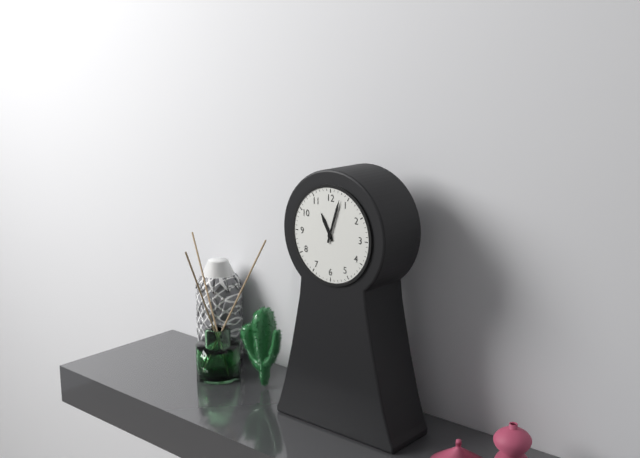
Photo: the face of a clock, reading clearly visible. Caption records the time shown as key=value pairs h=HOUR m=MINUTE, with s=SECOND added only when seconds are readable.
h=11 m=3
